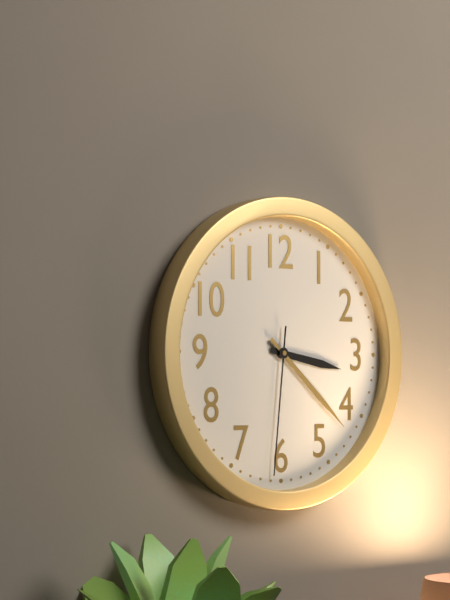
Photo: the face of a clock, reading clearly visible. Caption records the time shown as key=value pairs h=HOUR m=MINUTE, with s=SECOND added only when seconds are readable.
h=3 m=22 s=31
